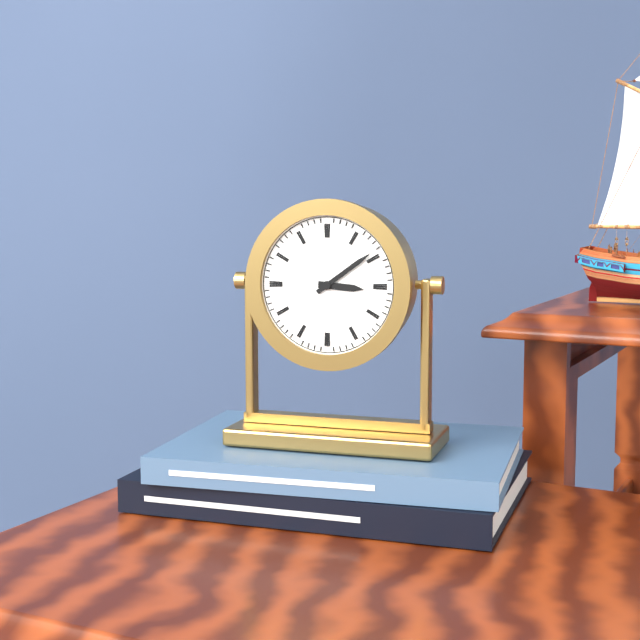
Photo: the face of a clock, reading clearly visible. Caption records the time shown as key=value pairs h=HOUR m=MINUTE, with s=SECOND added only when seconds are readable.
h=3 m=9
